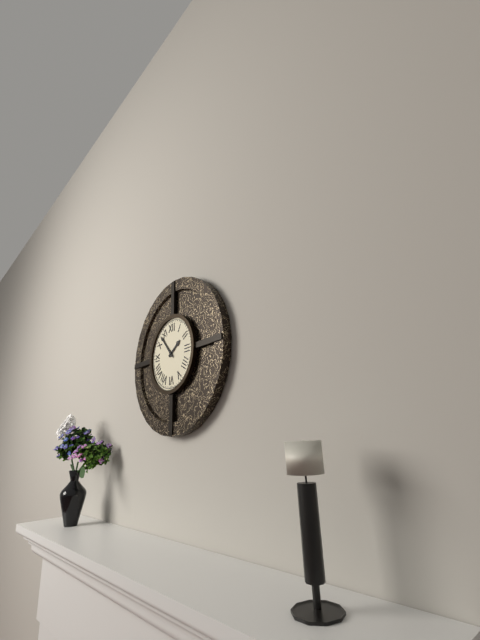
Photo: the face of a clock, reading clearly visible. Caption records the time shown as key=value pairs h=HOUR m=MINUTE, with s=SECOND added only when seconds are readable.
h=1 m=53
